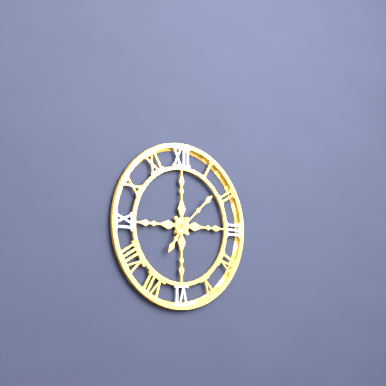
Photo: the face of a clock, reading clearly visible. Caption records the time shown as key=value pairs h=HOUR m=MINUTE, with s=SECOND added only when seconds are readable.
h=7 m=8
